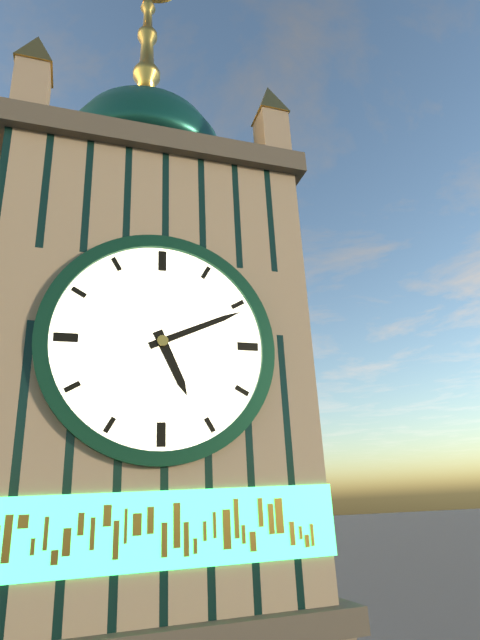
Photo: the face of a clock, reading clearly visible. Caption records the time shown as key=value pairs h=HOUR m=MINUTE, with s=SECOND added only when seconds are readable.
h=5 m=11
